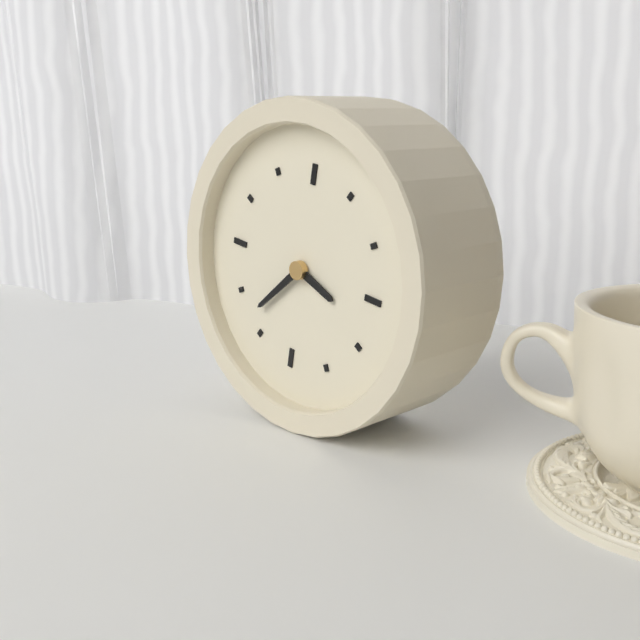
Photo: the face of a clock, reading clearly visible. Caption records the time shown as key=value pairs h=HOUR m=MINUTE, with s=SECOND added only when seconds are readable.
h=3 m=37
